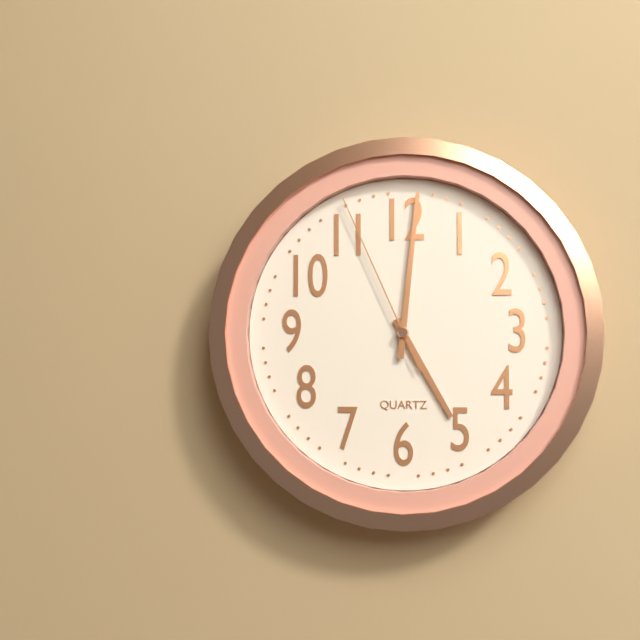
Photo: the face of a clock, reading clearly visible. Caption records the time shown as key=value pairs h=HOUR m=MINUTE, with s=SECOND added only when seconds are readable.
h=5 m=1 s=56
